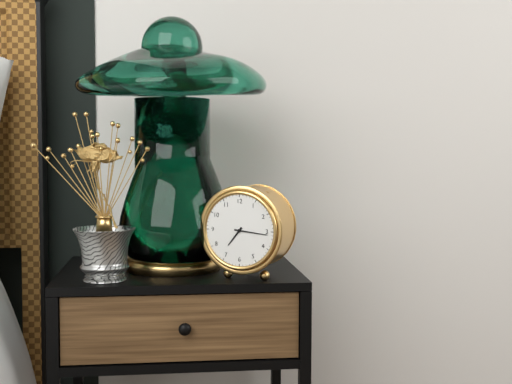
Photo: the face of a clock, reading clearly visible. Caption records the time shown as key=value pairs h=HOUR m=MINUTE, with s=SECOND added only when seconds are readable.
h=7 m=16
